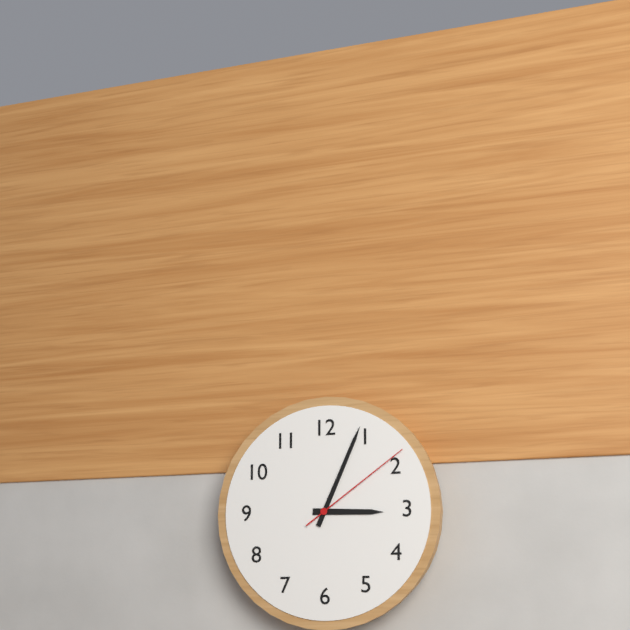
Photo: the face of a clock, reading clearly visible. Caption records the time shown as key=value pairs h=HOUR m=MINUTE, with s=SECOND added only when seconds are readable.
h=3 m=4 s=9
